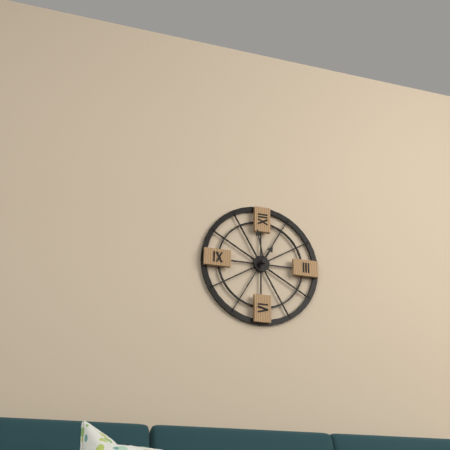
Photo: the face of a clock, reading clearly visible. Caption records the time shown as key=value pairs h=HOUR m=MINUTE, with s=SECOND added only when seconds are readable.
h=12 m=58
